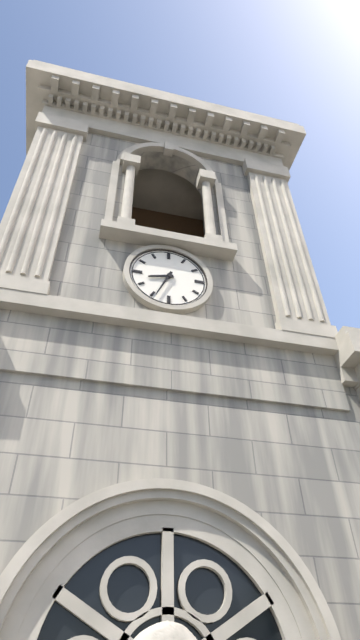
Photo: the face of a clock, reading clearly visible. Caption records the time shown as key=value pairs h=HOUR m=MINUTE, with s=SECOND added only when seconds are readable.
h=8 m=34
